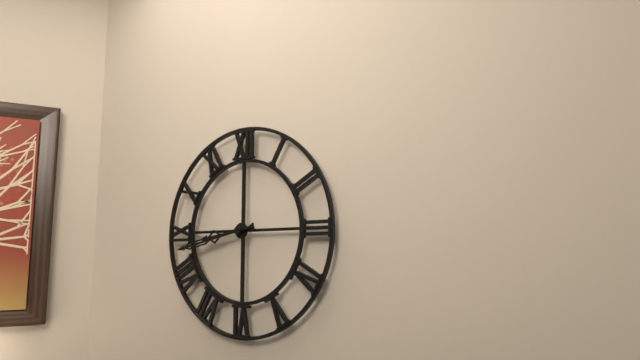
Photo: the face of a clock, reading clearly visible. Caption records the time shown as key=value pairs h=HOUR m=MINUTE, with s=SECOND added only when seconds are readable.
h=8 m=43
